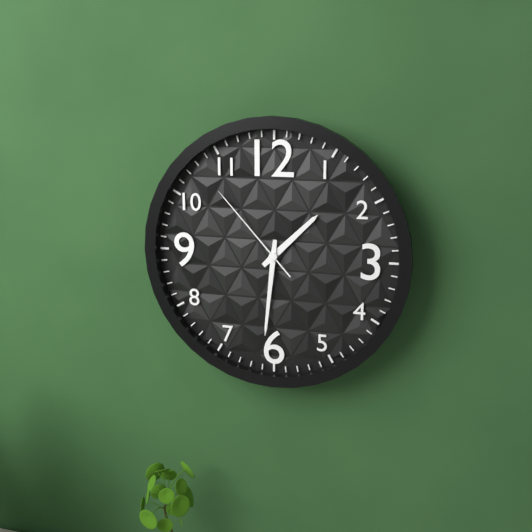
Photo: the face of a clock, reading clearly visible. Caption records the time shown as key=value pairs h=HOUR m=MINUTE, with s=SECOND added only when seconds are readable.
h=1 m=31 s=53
